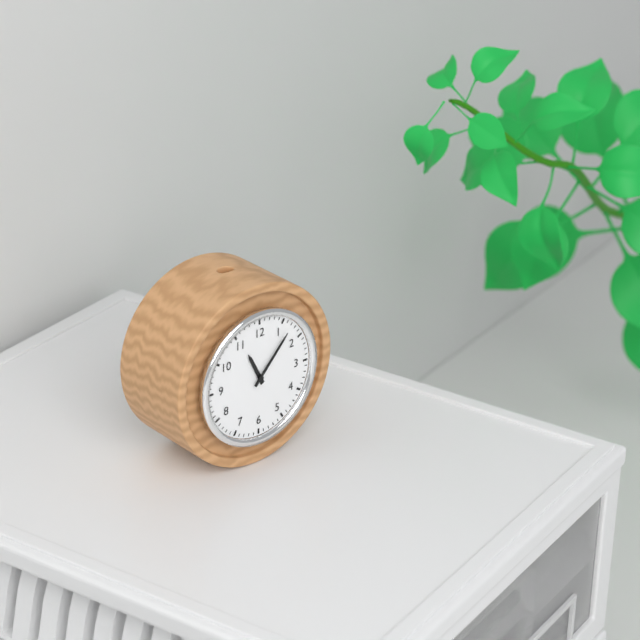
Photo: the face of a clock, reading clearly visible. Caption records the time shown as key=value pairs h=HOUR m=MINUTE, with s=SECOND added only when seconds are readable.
h=11 m=7
